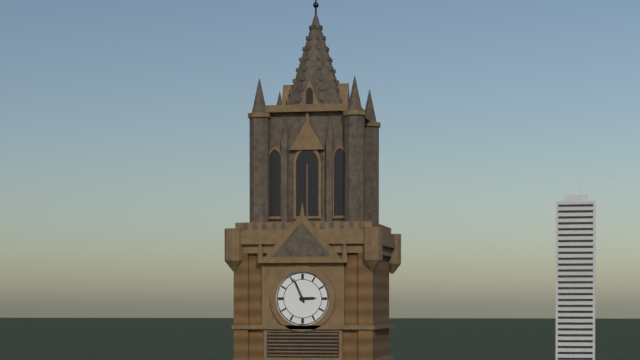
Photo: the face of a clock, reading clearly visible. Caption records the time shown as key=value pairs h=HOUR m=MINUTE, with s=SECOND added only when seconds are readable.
h=2 m=56
